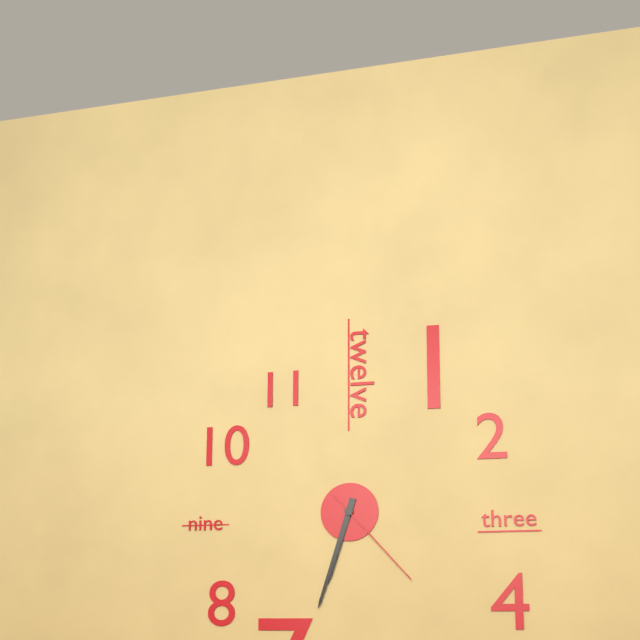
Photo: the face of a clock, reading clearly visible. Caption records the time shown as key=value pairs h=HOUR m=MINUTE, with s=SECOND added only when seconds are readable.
h=6 m=33 s=23
